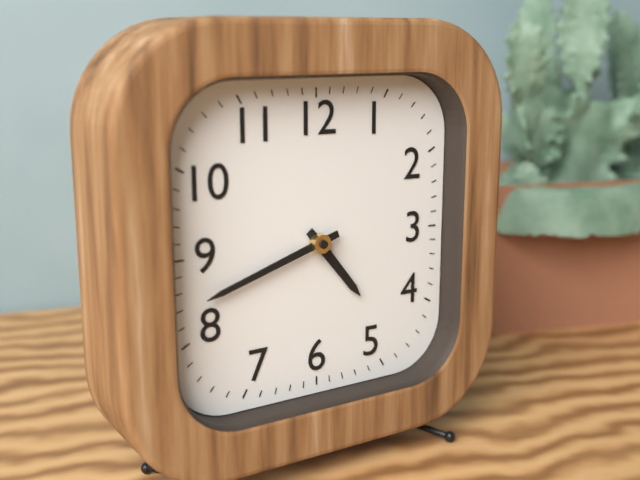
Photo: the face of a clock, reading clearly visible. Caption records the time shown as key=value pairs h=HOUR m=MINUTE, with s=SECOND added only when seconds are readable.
h=4 m=42
